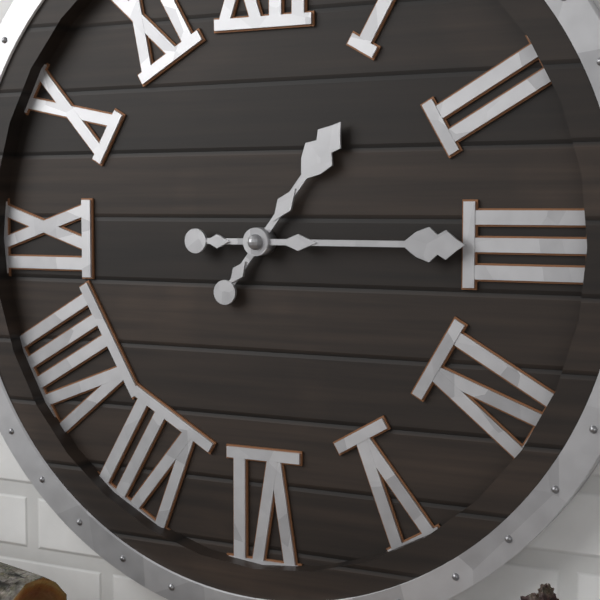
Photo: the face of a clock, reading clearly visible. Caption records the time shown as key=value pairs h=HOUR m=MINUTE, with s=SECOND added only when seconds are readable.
h=1 m=15
